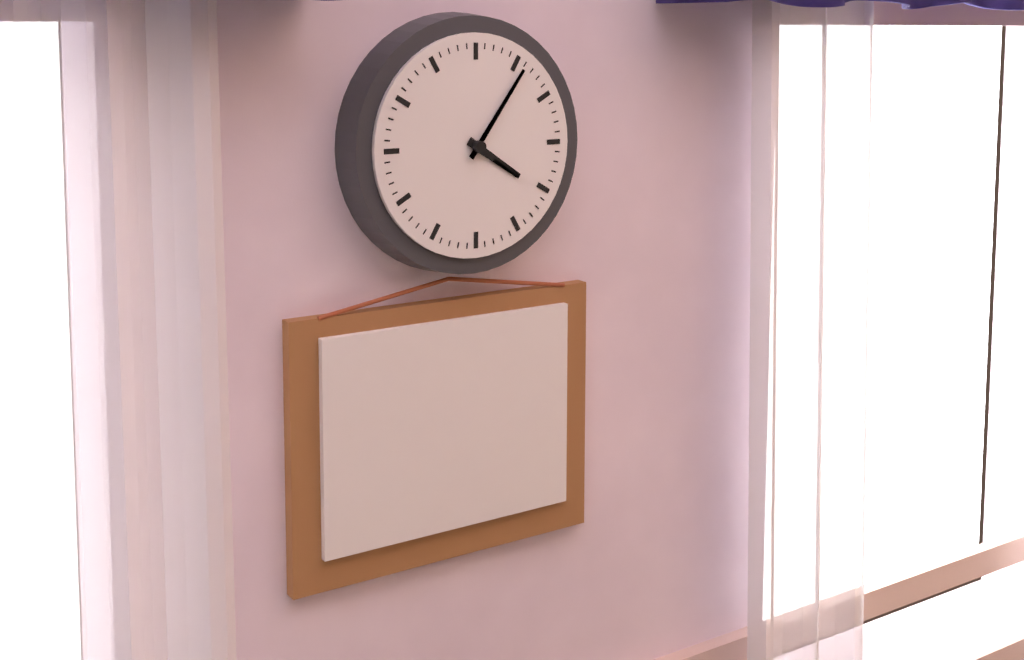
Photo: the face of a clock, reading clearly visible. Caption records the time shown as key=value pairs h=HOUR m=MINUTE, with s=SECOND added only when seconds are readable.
h=4 m=6
